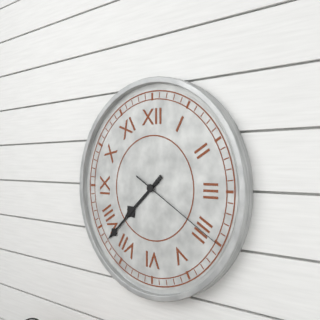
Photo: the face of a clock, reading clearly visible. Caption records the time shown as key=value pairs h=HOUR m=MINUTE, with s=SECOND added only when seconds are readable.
h=7 m=38 s=20
